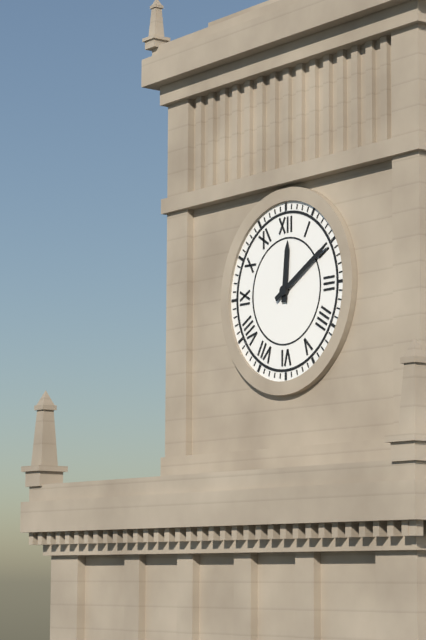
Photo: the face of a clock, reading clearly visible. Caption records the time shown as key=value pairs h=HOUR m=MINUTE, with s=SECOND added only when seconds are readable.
h=12 m=10
